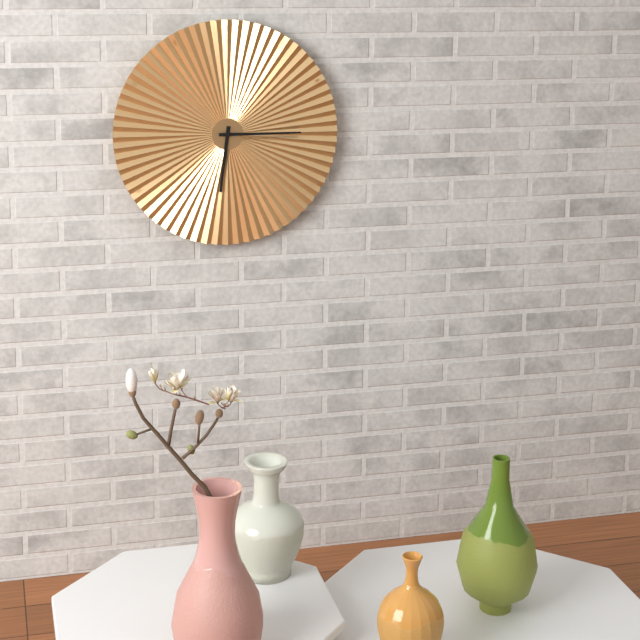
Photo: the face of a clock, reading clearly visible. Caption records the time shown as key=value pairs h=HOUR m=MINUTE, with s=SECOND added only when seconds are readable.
h=6 m=15
